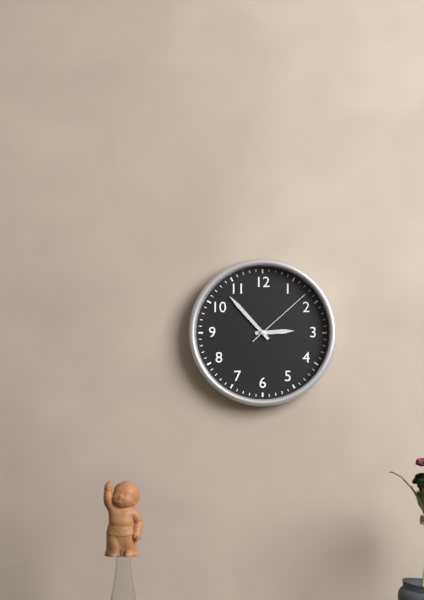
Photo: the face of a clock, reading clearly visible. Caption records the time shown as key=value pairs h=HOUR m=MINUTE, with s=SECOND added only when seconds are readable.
h=2 m=53 s=8
